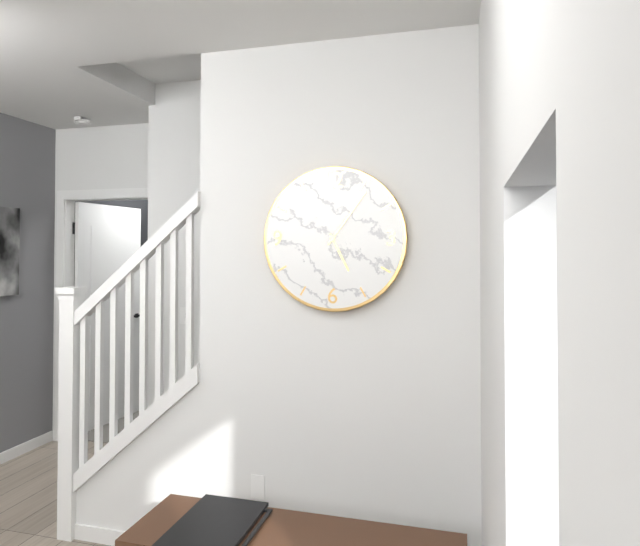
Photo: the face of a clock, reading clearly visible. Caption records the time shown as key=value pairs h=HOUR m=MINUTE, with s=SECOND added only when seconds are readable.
h=5 m=6
